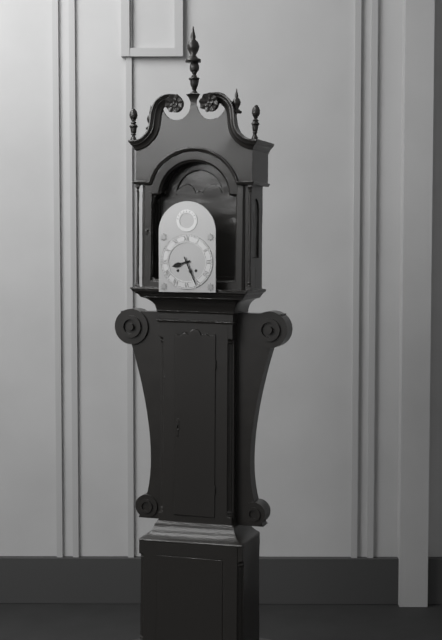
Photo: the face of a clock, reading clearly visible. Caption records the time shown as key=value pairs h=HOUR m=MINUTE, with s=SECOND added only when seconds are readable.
h=8 m=26
